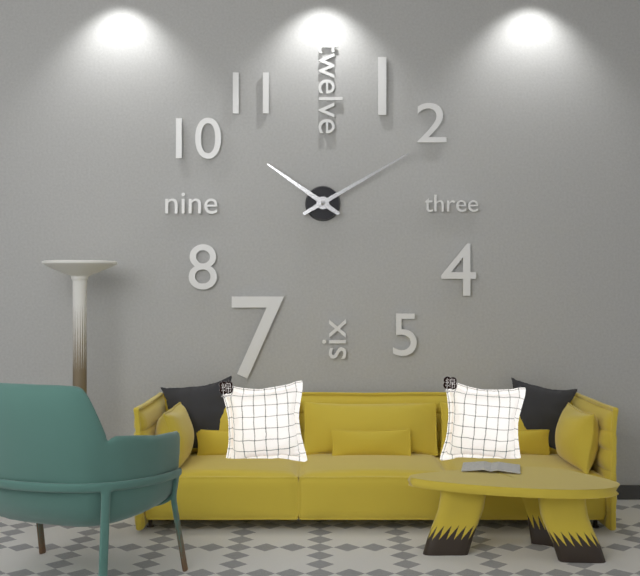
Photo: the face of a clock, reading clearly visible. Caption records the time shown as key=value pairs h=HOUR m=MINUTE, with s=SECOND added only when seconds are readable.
h=10 m=10
